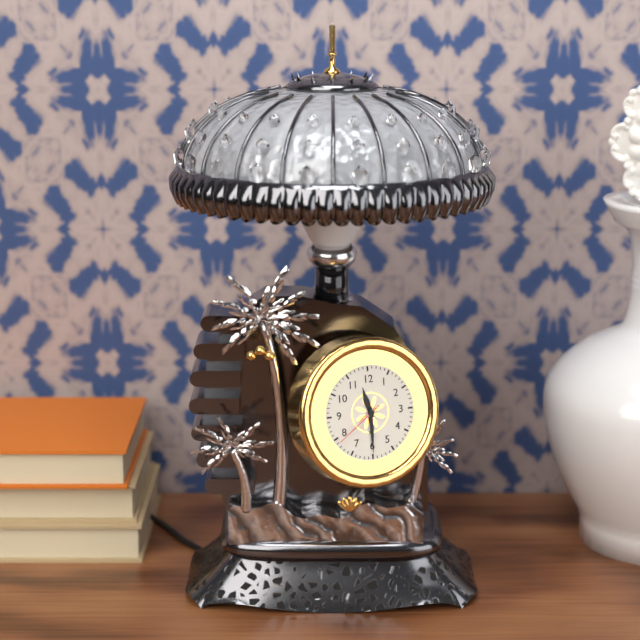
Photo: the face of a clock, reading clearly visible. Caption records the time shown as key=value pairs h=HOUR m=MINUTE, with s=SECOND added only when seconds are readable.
h=11 m=30
